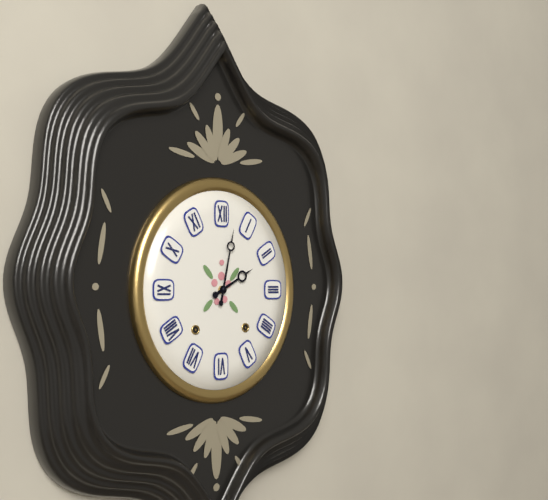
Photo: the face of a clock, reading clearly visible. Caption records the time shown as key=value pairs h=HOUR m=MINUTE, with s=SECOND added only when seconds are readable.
h=2 m=2
